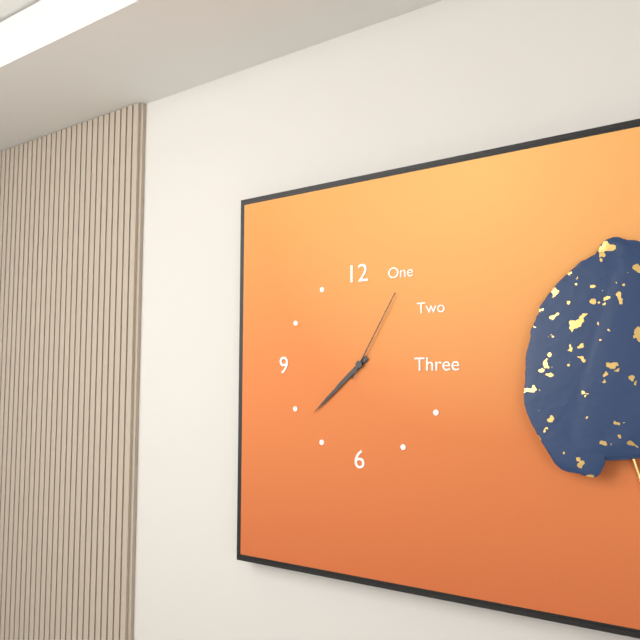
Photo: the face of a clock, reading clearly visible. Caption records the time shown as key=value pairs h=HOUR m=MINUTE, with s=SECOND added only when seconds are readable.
h=7 m=38 s=5
